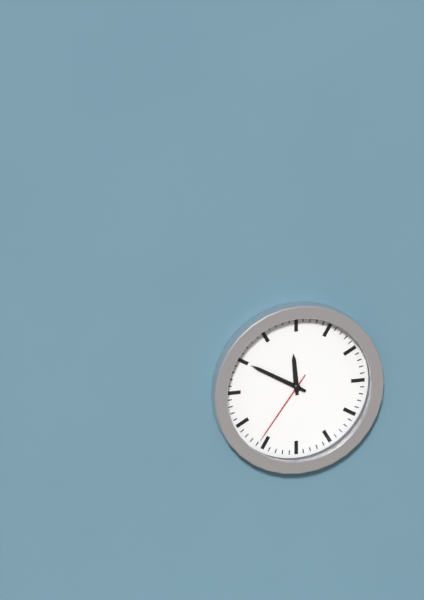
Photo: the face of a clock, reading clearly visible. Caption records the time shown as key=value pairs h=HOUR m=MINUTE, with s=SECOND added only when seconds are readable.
h=11 m=50 s=36
